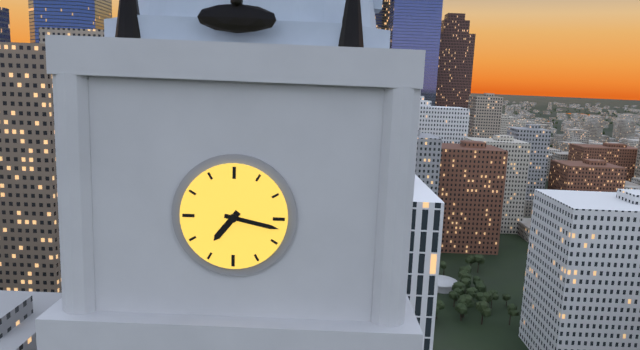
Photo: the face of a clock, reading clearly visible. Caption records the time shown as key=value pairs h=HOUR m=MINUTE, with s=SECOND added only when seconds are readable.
h=7 m=17
